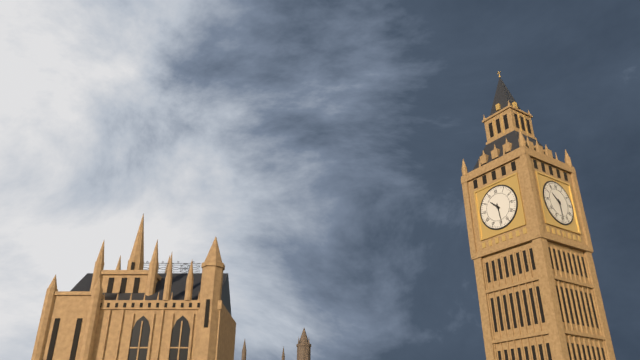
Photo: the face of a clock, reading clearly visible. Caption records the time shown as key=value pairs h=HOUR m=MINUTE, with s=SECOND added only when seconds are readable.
h=10 m=29
